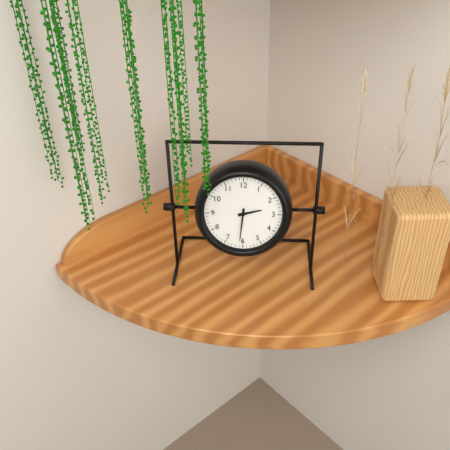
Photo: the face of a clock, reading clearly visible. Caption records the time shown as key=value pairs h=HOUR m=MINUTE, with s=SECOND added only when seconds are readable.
h=2 m=31
